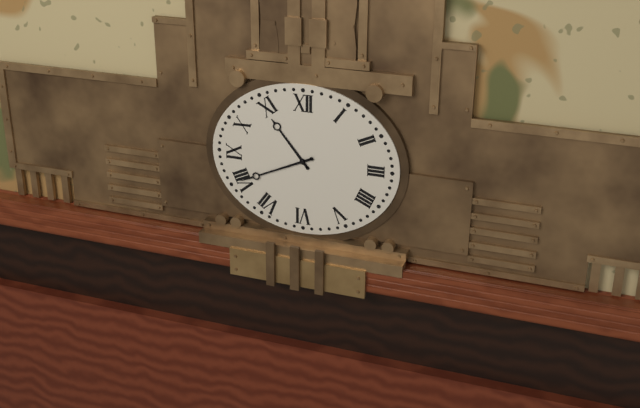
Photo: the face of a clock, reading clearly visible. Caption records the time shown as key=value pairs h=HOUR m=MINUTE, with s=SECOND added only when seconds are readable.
h=10 m=41
